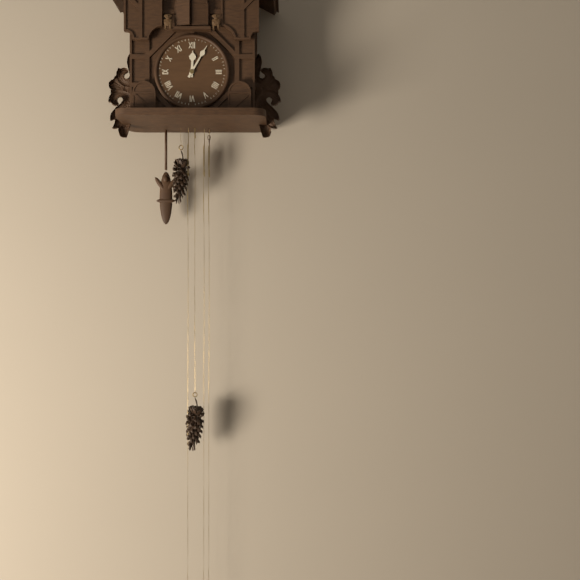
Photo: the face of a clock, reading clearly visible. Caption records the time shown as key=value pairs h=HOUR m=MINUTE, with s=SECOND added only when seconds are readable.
h=12 m=5
